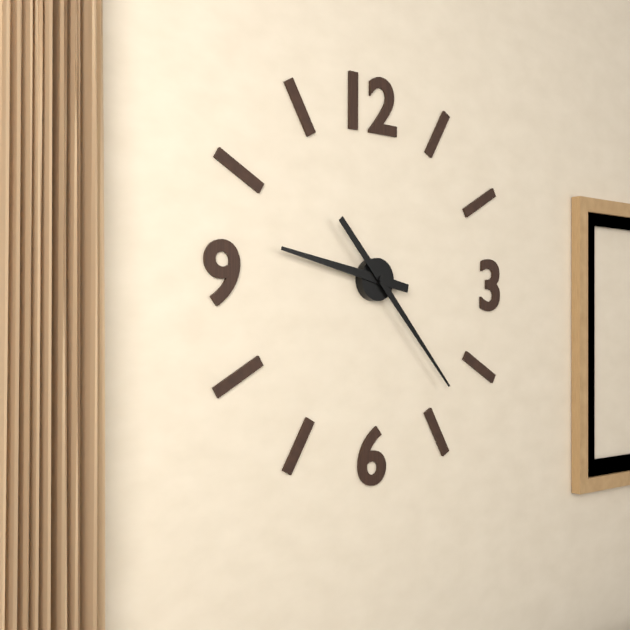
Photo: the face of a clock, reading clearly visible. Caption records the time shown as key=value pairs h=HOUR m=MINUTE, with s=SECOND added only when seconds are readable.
h=9 m=23
